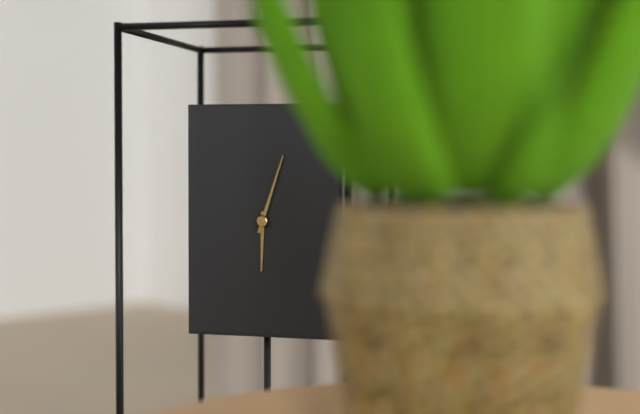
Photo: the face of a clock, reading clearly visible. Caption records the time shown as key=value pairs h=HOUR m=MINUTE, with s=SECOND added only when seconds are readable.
h=6 m=3
